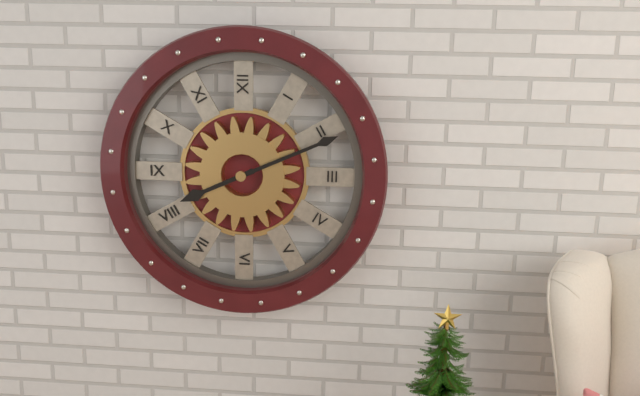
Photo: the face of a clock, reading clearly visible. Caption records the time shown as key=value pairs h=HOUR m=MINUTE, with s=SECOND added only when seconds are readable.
h=8 m=11
